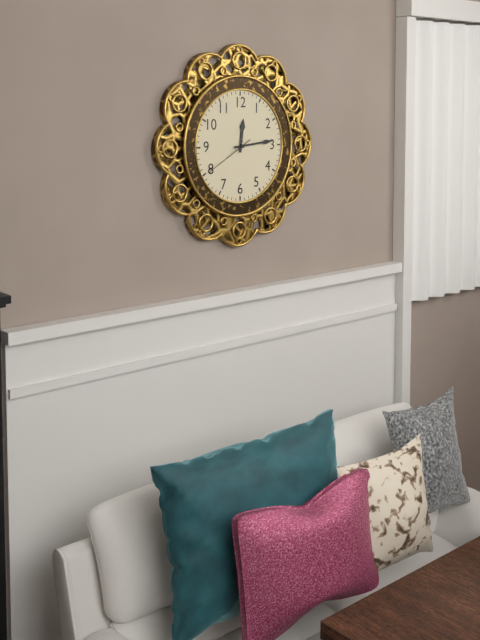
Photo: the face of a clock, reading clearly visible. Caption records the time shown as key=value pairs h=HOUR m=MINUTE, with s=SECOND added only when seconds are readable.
h=12 m=14
